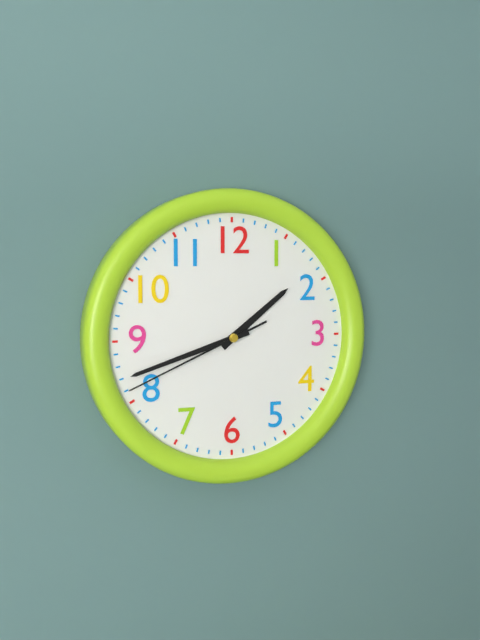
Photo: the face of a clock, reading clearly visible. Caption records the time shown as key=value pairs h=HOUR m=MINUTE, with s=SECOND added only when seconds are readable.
h=1 m=42 s=41
